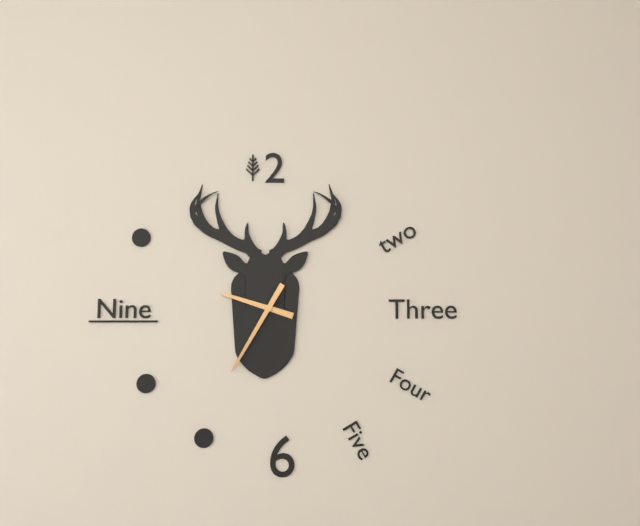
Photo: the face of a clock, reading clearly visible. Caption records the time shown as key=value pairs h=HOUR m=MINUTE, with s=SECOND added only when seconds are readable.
h=9 m=35
